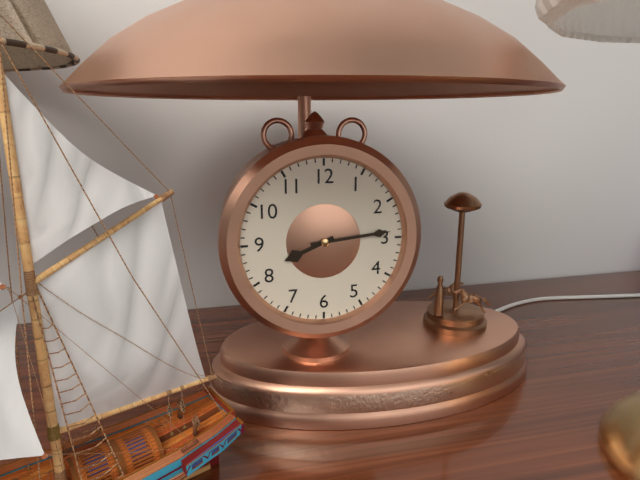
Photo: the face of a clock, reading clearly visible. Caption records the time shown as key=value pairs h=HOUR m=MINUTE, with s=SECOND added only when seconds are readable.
h=8 m=14
